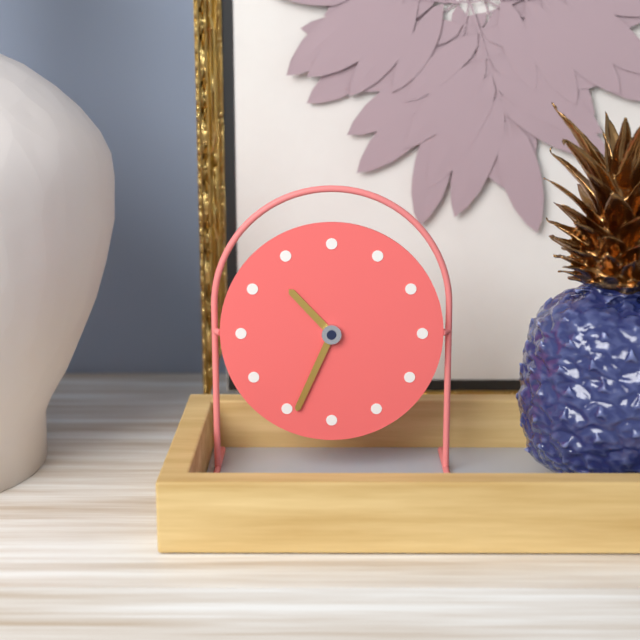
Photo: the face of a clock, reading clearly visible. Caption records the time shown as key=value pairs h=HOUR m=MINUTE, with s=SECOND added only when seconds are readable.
h=10 m=34
